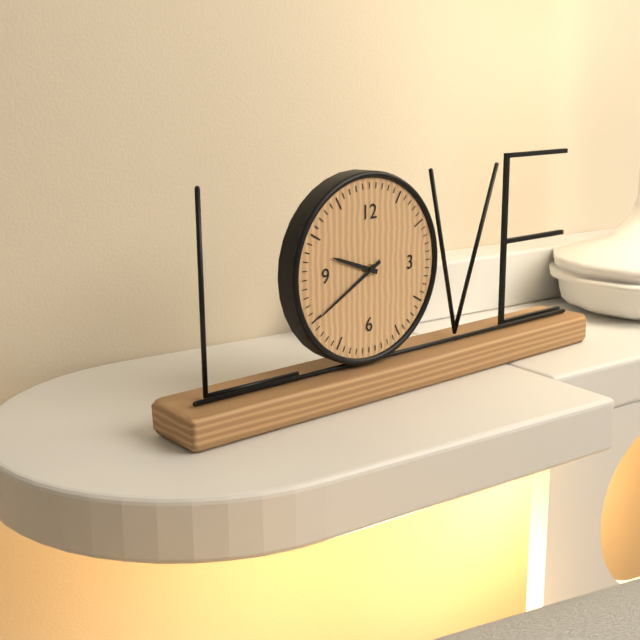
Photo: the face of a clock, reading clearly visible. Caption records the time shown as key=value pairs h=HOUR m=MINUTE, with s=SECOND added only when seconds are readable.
h=9 m=40
